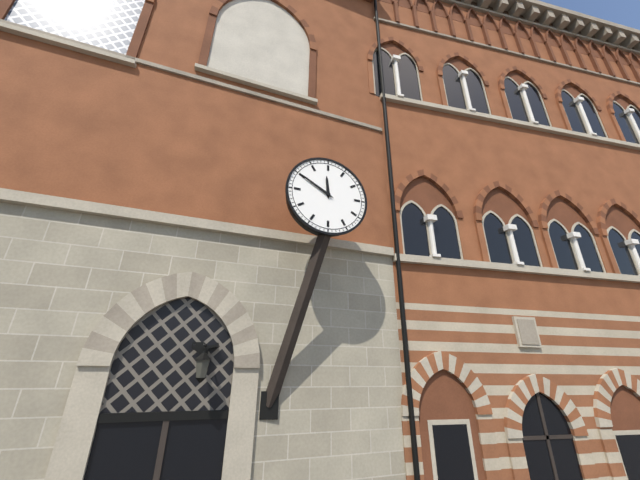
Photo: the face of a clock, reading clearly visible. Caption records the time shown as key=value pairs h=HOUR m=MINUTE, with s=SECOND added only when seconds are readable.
h=11 m=50
